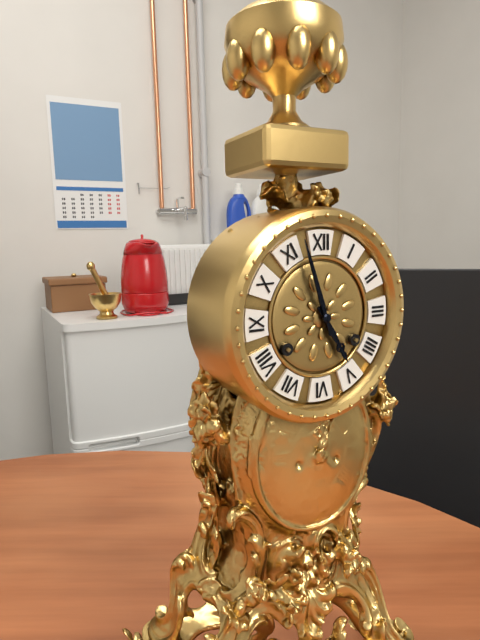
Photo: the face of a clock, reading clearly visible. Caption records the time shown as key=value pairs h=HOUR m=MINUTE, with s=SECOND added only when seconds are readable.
h=4 m=57
